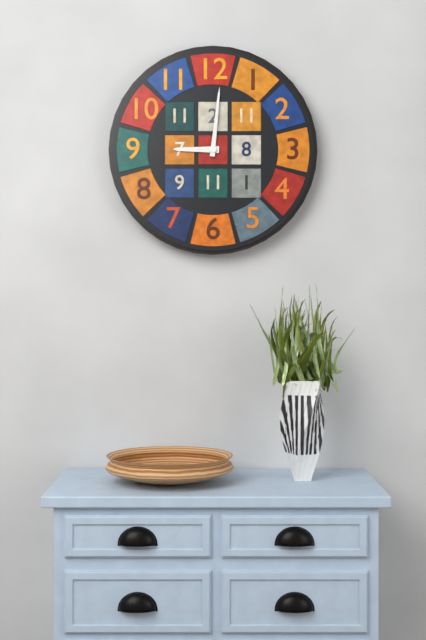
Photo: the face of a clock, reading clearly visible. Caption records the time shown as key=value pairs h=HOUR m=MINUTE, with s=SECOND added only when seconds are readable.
h=9 m=1
